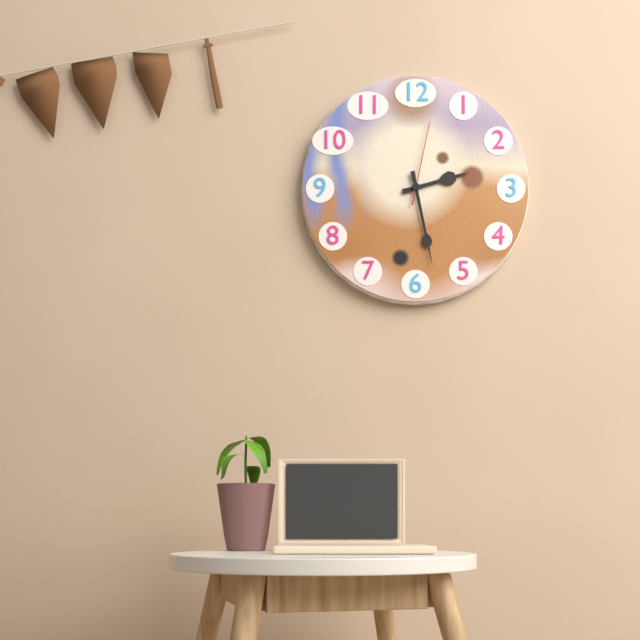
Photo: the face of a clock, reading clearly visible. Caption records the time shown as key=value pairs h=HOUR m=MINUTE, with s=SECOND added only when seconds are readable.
h=2 m=28 s=2
